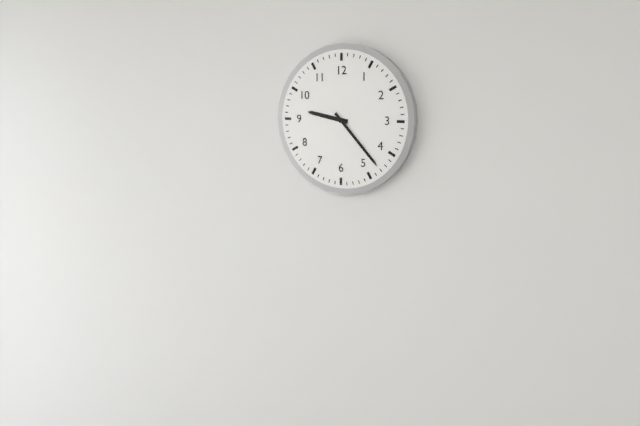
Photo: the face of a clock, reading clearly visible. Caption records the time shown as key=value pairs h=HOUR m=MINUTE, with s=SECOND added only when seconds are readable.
h=9 m=23
